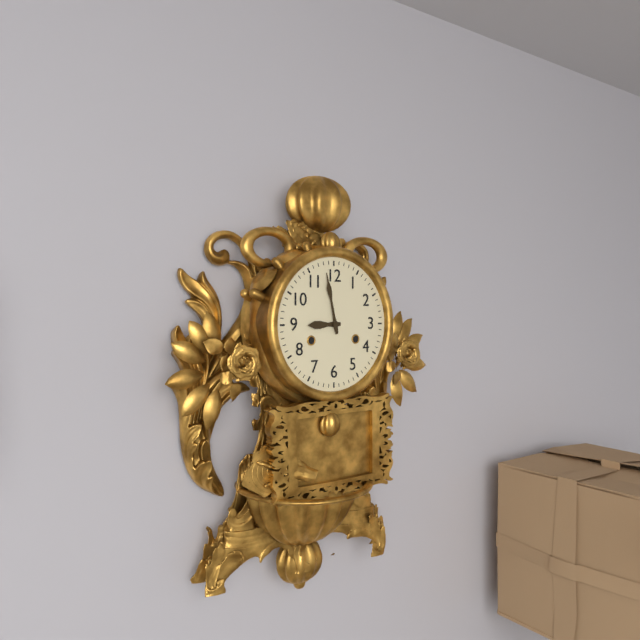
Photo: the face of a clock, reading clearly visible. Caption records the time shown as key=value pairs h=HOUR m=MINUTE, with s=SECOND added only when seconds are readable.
h=8 m=58
